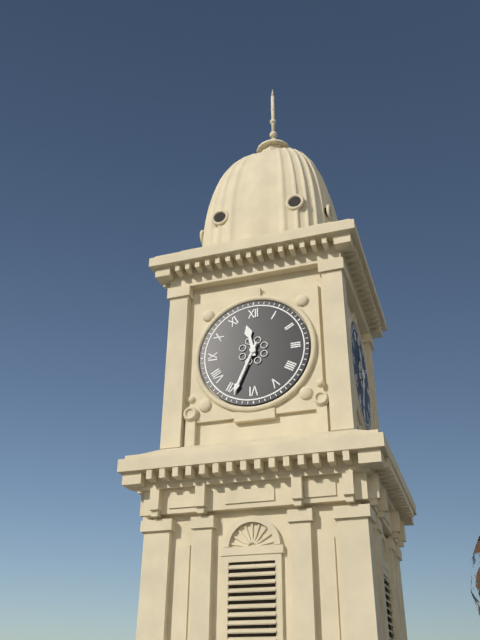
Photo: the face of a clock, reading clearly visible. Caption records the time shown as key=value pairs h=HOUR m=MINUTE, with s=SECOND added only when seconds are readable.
h=11 m=34
